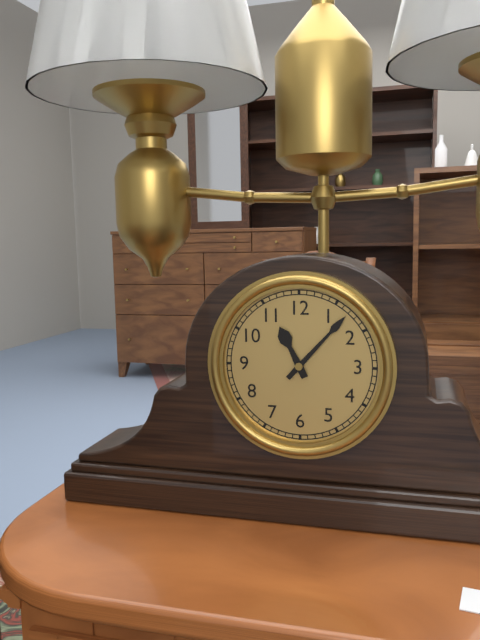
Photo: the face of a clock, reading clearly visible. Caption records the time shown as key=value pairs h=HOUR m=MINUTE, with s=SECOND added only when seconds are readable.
h=11 m=7
